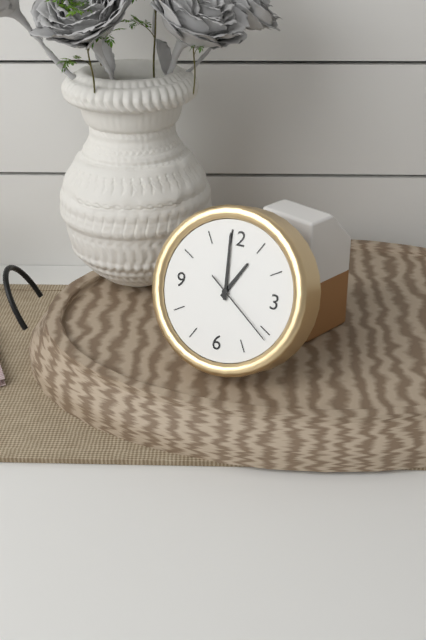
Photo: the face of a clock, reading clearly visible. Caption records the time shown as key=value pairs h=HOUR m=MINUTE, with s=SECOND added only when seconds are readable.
h=12 m=59 s=21
